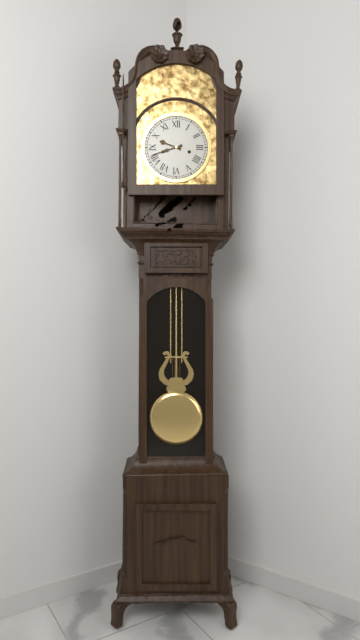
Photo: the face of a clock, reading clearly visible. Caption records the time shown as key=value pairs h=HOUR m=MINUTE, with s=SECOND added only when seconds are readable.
h=9 m=42
